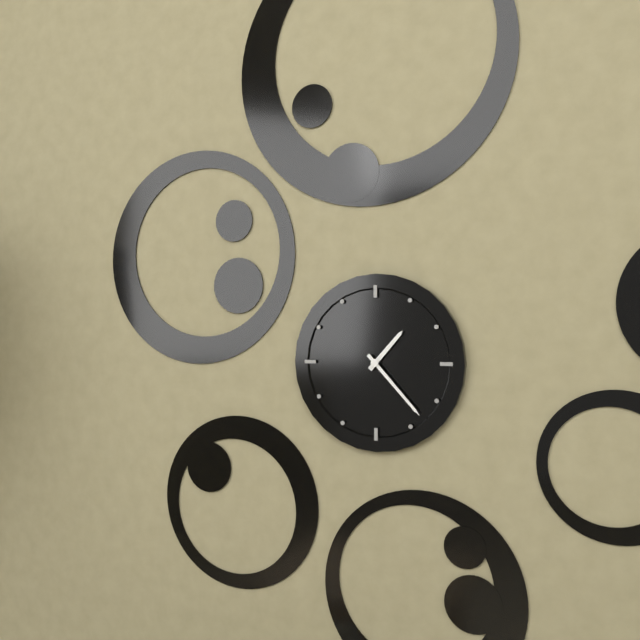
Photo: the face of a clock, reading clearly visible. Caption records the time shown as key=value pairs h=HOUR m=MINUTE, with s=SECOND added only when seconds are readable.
h=1 m=23
